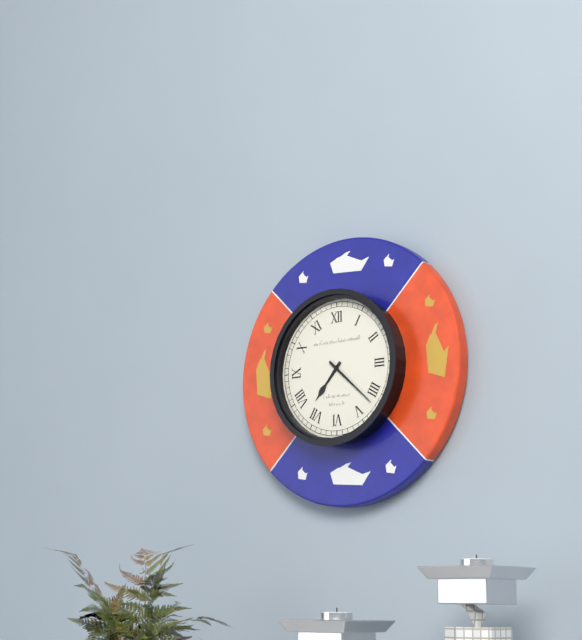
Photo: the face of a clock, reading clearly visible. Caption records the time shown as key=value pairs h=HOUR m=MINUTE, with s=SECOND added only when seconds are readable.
h=7 m=22
